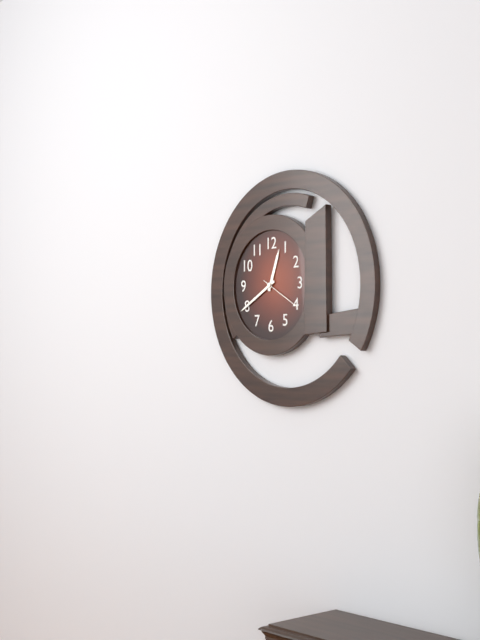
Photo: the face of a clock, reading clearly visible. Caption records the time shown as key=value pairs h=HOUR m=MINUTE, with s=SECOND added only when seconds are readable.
h=12 m=40
